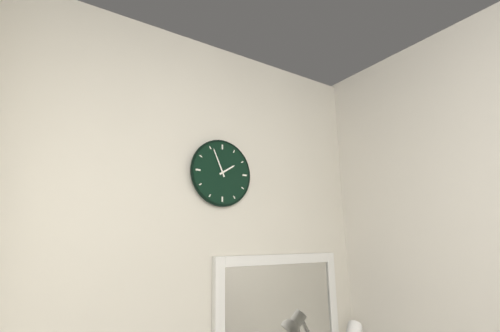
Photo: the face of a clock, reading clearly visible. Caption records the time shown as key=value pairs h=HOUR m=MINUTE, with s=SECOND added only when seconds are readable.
h=1 m=56
